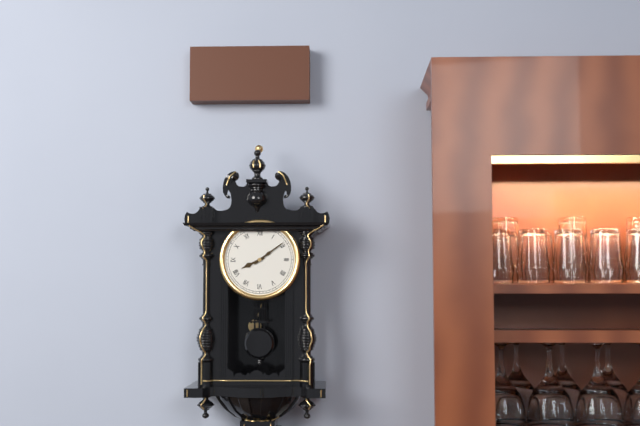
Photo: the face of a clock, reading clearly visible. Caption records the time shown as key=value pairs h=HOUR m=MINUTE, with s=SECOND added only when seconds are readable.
h=8 m=9
